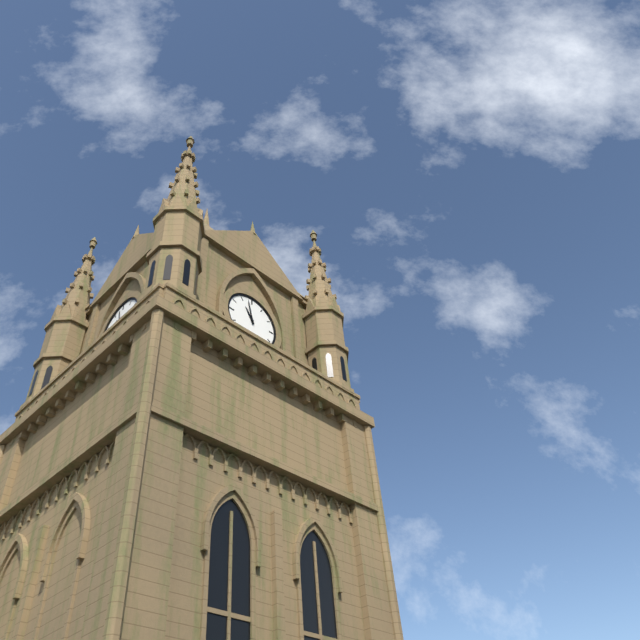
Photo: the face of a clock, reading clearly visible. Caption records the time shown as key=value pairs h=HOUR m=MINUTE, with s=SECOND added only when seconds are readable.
h=10 m=58
